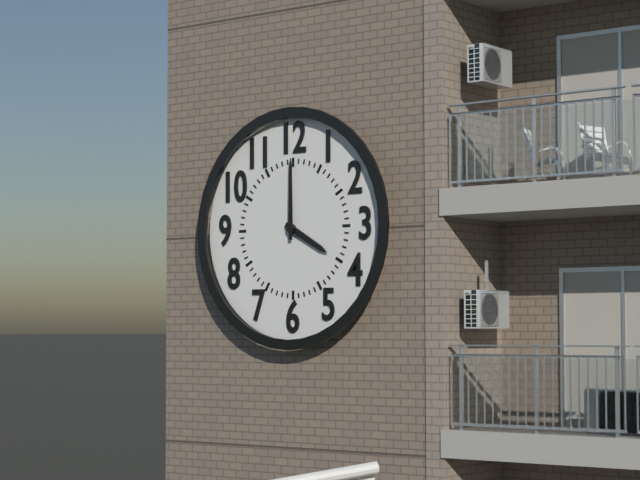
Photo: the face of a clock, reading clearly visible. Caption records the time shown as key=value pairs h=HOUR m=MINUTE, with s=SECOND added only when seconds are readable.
h=4 m=0
